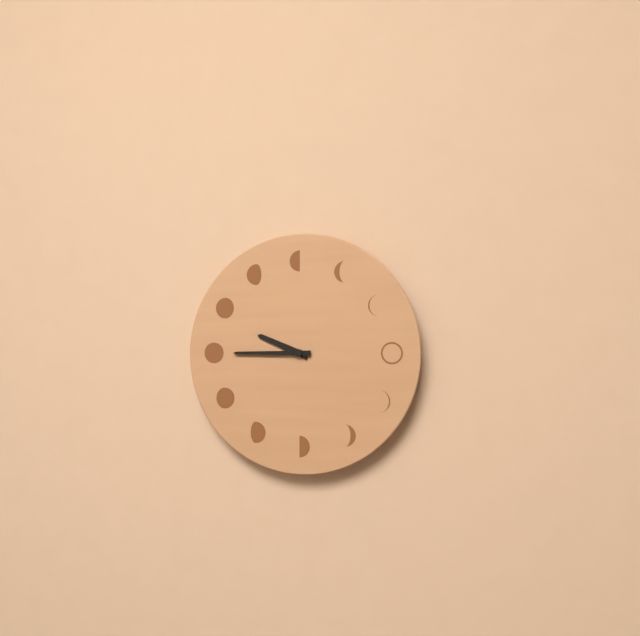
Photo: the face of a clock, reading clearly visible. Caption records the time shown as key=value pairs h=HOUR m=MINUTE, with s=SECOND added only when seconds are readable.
h=9 m=45
